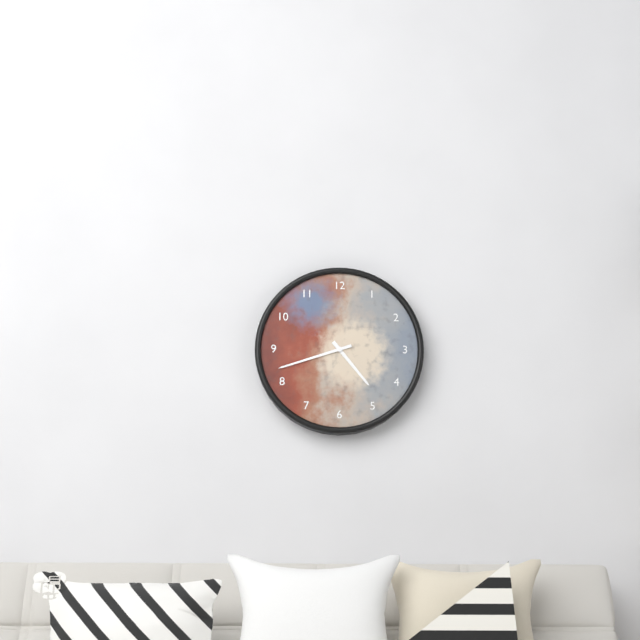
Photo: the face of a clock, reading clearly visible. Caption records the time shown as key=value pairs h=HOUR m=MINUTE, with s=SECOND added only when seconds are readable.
h=4 m=42
